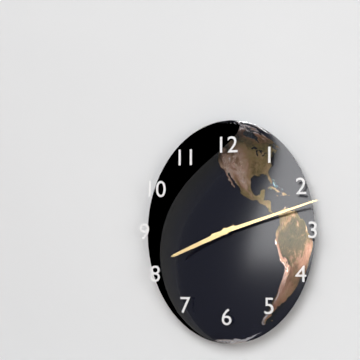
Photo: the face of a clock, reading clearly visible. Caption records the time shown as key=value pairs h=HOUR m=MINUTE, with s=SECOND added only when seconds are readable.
h=8 m=12
